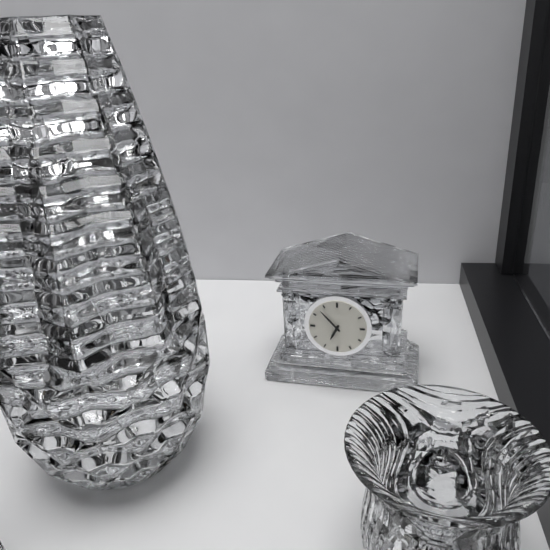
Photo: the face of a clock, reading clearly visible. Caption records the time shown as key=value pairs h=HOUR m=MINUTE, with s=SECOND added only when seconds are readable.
h=6 m=53
